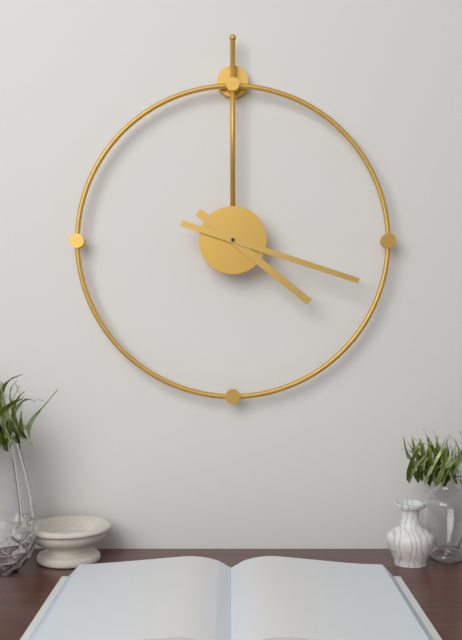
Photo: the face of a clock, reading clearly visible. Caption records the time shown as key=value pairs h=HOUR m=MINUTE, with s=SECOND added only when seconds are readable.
h=4 m=18
